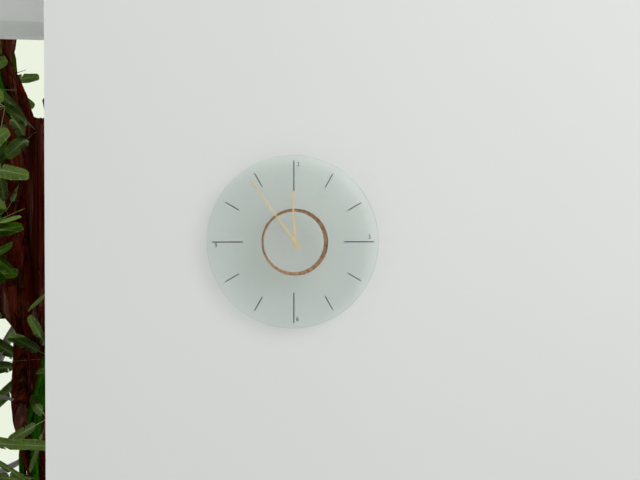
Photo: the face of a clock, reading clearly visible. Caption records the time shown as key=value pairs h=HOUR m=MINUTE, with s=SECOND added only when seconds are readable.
h=11 m=54
